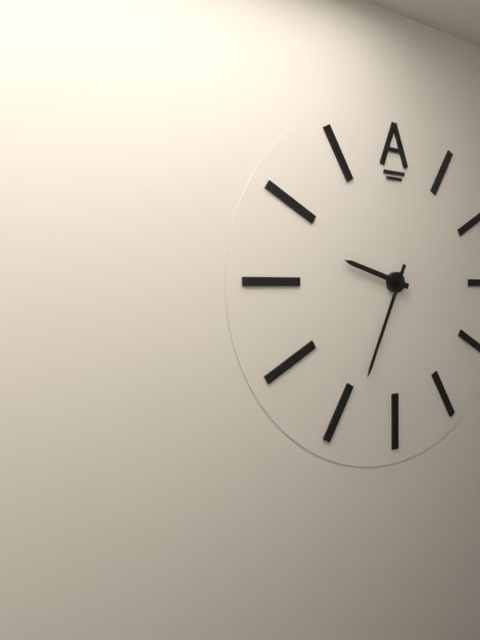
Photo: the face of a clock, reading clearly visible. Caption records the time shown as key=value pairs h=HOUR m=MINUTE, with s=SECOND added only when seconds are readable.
h=9 m=34
